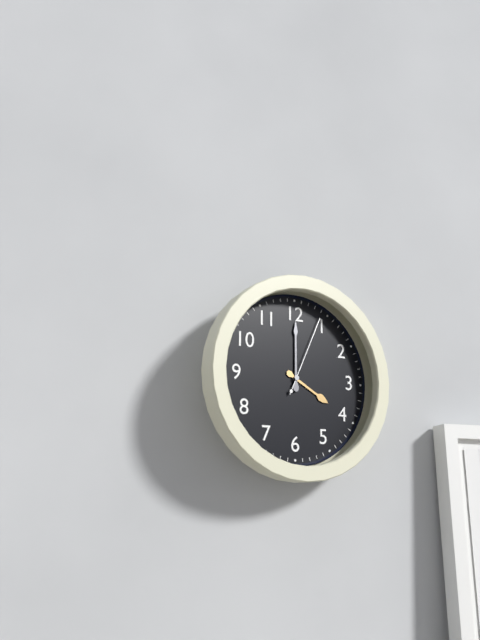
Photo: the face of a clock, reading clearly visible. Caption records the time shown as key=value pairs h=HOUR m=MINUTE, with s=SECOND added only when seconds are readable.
h=4 m=0 s=4
